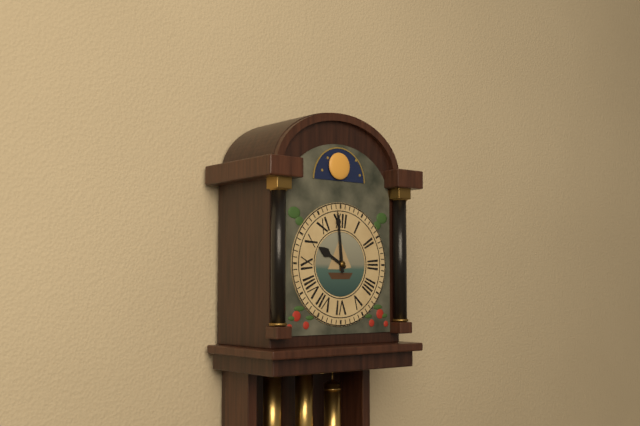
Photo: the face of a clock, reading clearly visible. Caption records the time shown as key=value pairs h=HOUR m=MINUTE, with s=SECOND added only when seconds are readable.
h=9 m=59
